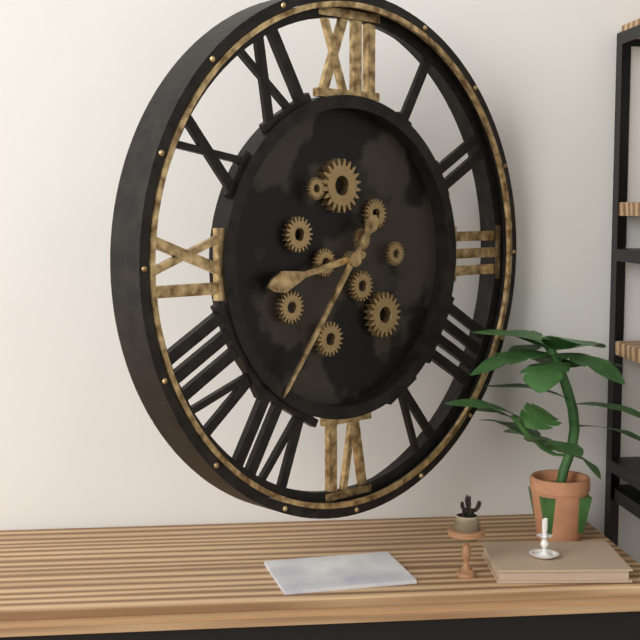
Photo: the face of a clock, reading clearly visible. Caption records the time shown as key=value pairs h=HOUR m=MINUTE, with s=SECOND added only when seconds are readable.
h=8 m=36
